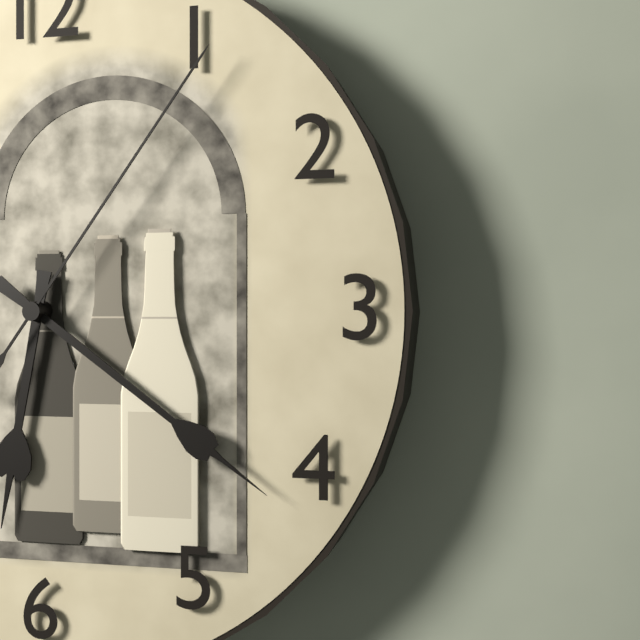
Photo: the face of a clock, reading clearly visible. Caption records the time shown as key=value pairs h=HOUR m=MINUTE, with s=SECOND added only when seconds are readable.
h=6 m=21 s=6
